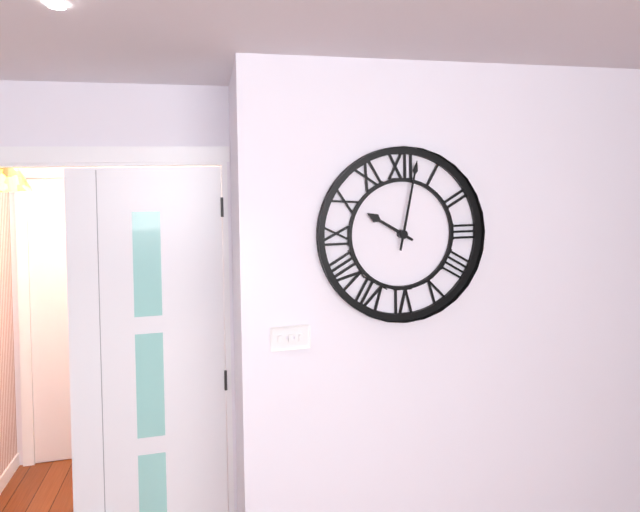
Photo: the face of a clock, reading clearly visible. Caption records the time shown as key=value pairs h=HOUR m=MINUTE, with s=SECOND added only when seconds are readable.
h=10 m=2
